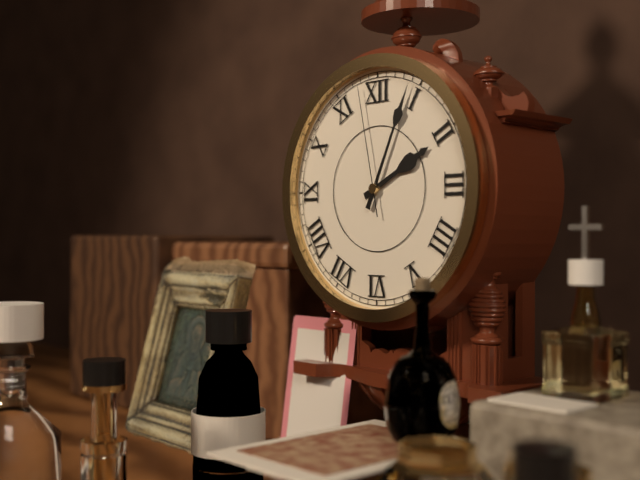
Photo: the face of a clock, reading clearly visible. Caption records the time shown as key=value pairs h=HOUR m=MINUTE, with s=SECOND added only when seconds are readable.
h=2 m=4 s=58
